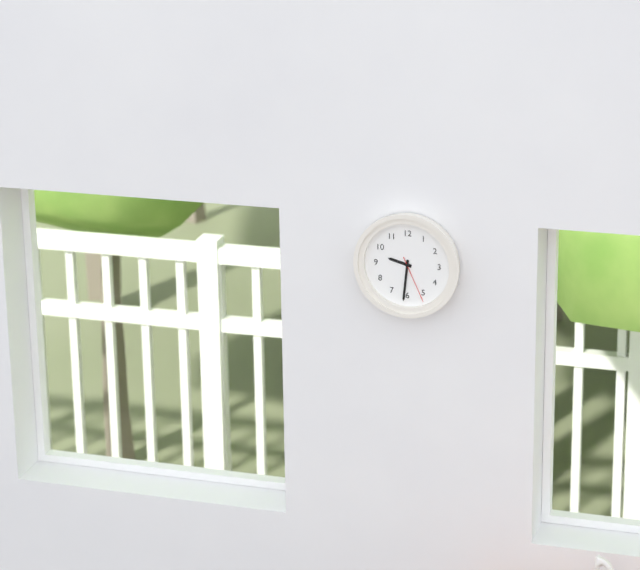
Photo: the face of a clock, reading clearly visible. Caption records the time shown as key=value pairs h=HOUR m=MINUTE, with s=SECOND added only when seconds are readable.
h=9 m=31
